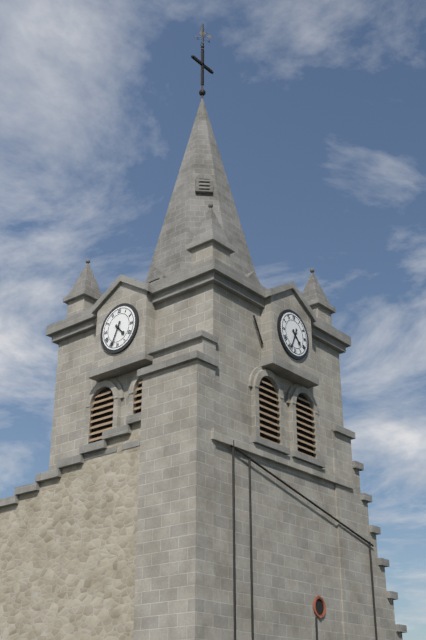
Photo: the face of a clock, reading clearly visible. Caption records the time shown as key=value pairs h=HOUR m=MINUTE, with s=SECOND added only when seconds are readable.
h=4 m=34
